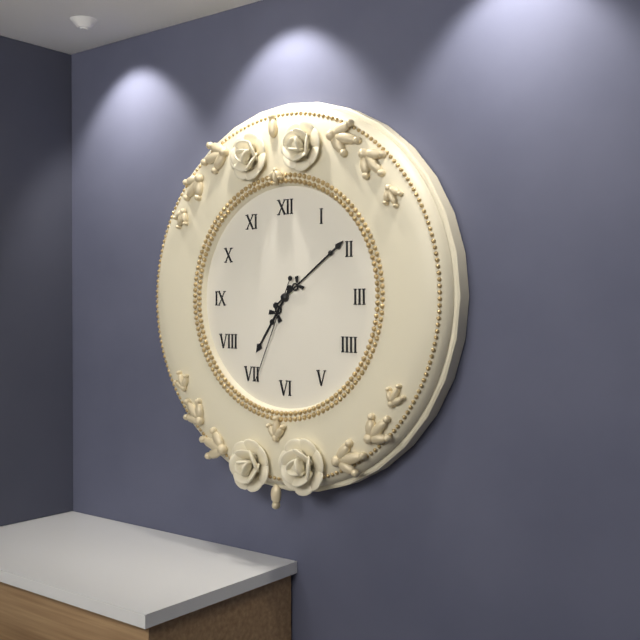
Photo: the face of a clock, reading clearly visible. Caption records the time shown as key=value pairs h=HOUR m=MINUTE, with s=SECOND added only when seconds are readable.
h=7 m=9 s=34
